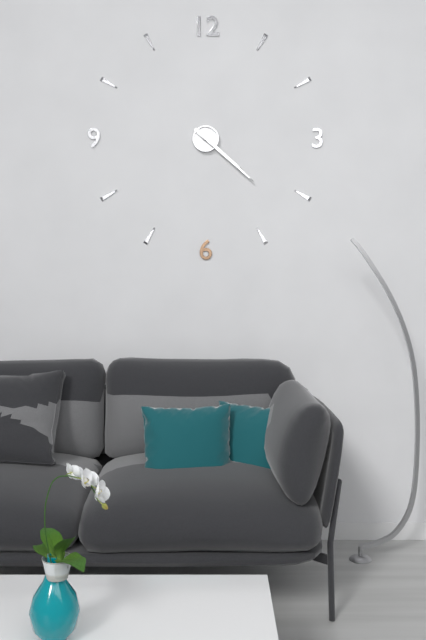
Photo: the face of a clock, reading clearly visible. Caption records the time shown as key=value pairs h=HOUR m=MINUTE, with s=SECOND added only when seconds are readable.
h=4 m=22
